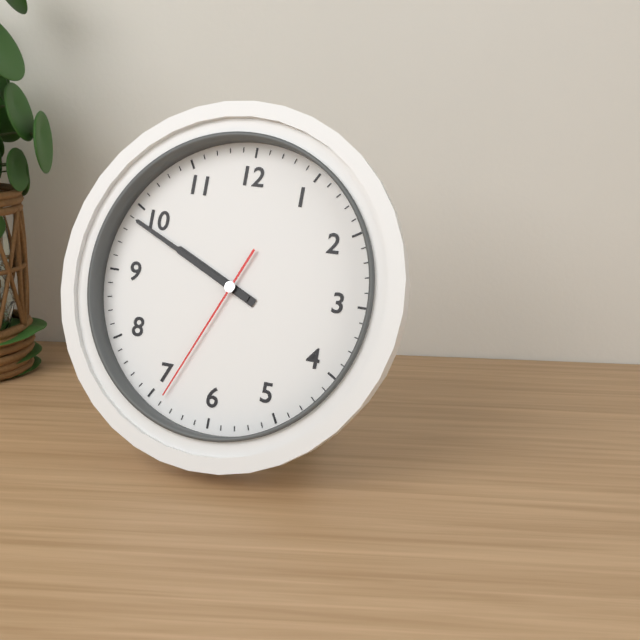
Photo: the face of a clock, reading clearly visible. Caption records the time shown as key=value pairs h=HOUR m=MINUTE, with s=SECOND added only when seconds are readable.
h=9 m=49 s=34
